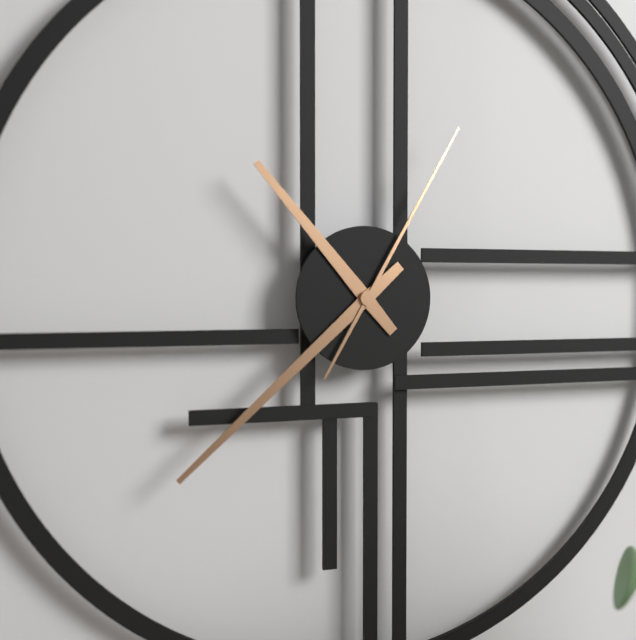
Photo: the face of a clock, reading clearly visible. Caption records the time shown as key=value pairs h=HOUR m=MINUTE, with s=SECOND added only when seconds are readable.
h=10 m=38 s=5
